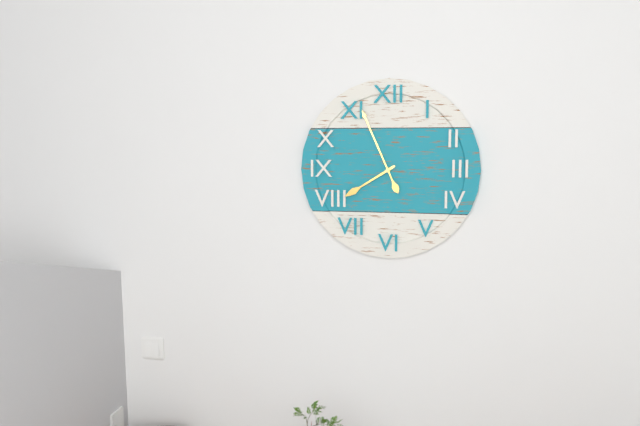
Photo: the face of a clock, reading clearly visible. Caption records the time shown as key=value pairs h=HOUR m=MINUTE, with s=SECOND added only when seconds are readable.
h=7 m=56
